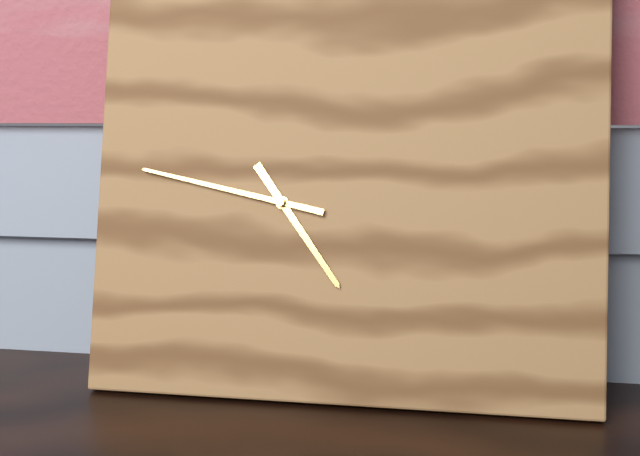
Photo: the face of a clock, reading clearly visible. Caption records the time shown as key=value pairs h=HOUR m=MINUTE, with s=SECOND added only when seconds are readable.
h=4 m=47
